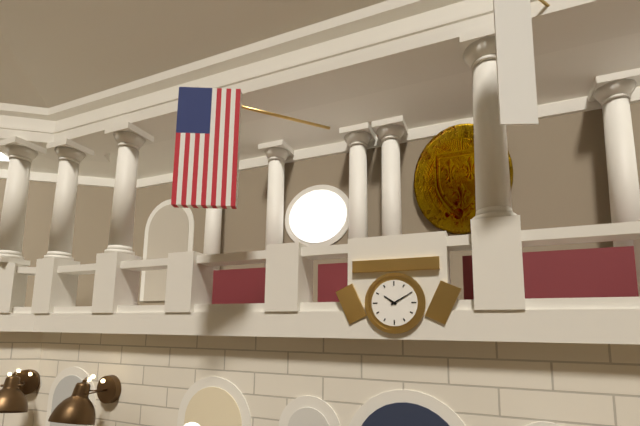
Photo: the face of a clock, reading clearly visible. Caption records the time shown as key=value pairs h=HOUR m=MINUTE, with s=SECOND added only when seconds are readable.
h=10 m=10
